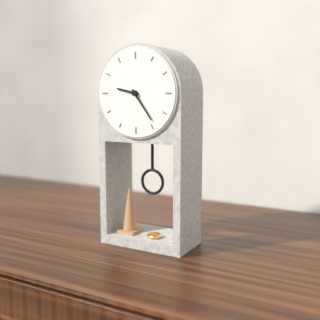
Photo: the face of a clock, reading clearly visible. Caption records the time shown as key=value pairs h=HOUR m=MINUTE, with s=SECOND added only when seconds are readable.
h=9 m=24
